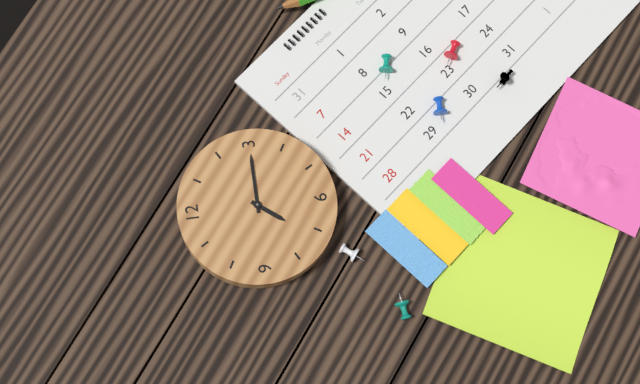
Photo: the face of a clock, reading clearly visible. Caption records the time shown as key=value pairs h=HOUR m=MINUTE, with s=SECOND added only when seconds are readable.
h=7 m=15
